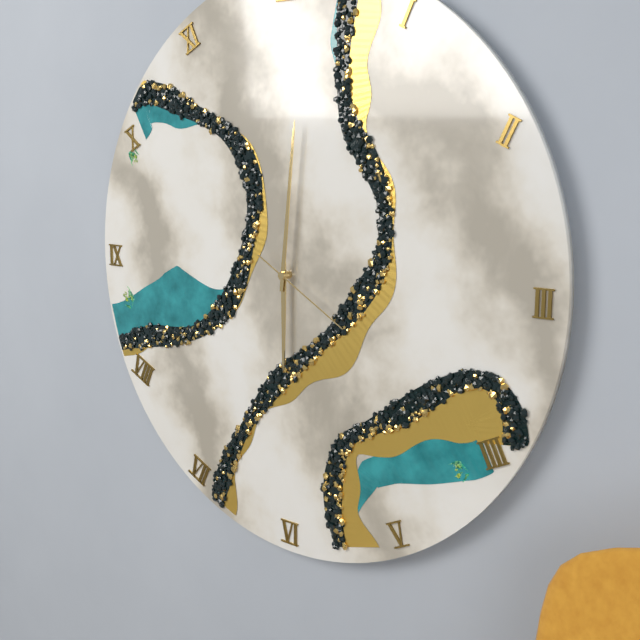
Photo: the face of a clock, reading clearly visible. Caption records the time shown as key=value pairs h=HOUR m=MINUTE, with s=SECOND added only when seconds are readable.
h=6 m=1 s=20
